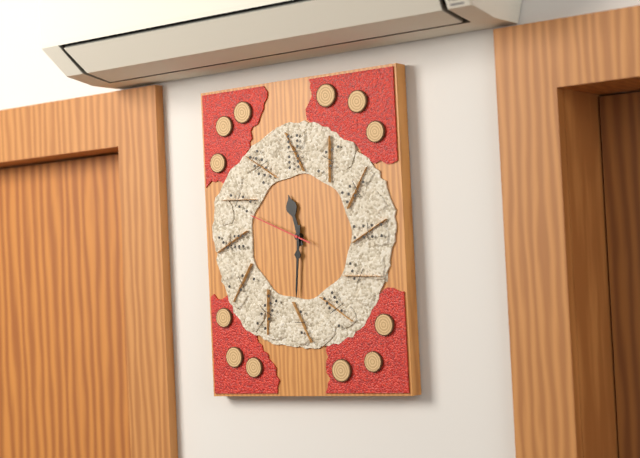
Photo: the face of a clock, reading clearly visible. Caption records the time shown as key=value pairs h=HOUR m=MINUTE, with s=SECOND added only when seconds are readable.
h=11 m=31 s=49
